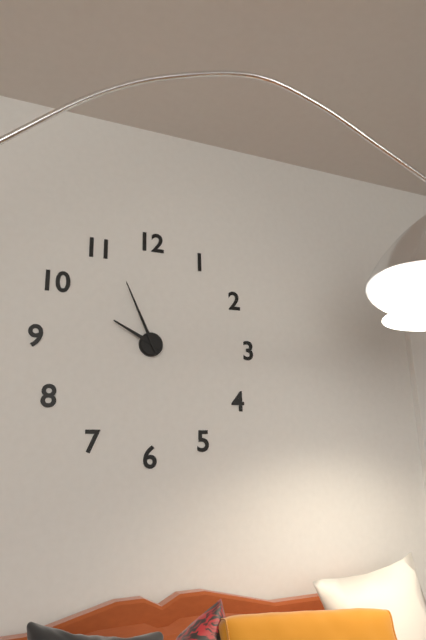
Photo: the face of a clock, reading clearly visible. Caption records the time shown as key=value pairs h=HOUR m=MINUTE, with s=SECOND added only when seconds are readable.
h=9 m=56
